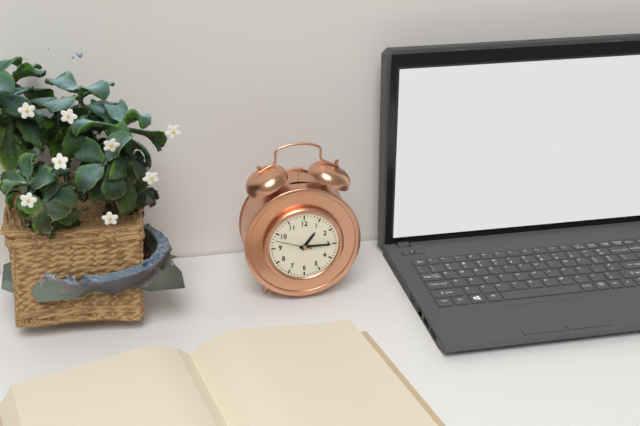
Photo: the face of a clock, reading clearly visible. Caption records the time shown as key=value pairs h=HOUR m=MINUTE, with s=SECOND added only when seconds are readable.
h=1 m=15
